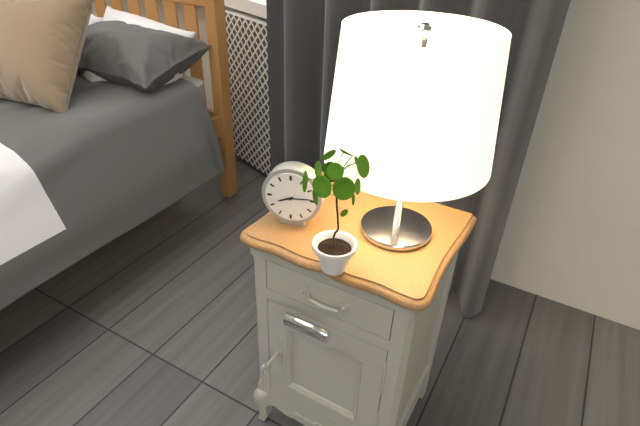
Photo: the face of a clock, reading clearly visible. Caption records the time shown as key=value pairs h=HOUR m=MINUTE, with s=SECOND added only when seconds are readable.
h=8 m=14
